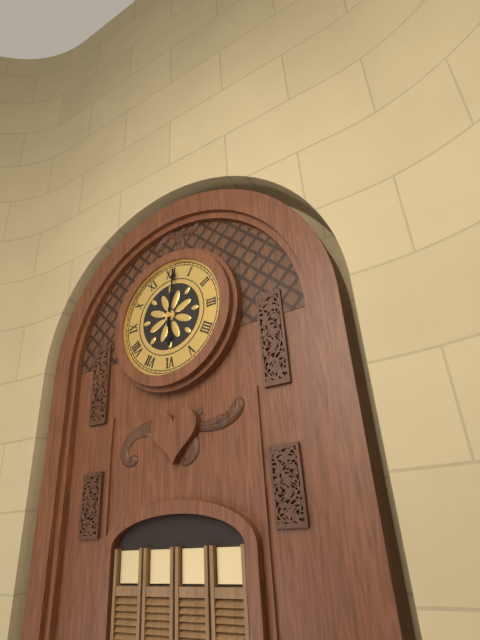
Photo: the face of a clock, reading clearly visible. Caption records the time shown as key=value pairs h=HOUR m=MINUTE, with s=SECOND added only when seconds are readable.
h=6 m=1
